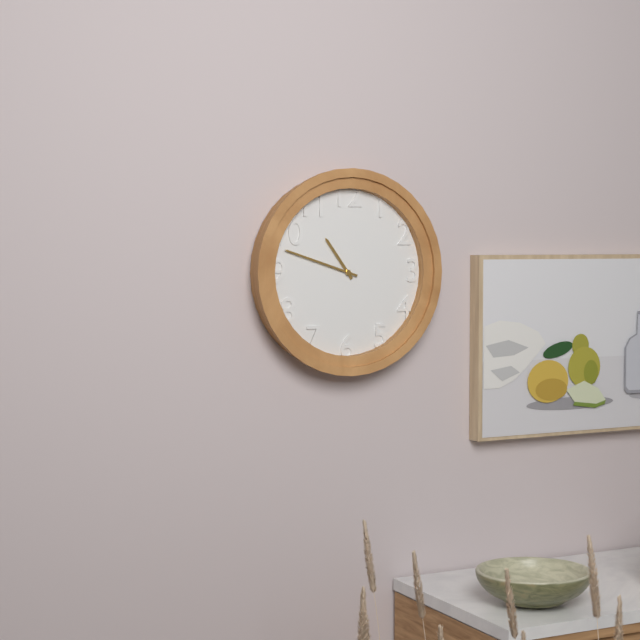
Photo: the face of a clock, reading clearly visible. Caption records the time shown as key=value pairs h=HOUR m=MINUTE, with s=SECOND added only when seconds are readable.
h=10 m=48
